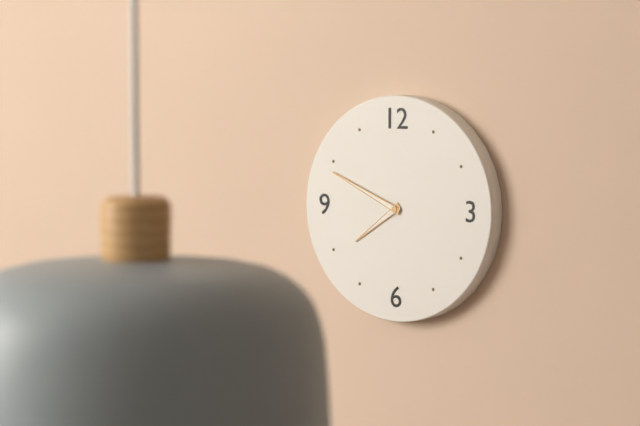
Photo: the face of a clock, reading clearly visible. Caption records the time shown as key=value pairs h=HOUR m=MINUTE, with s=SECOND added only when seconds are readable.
h=7 m=49
